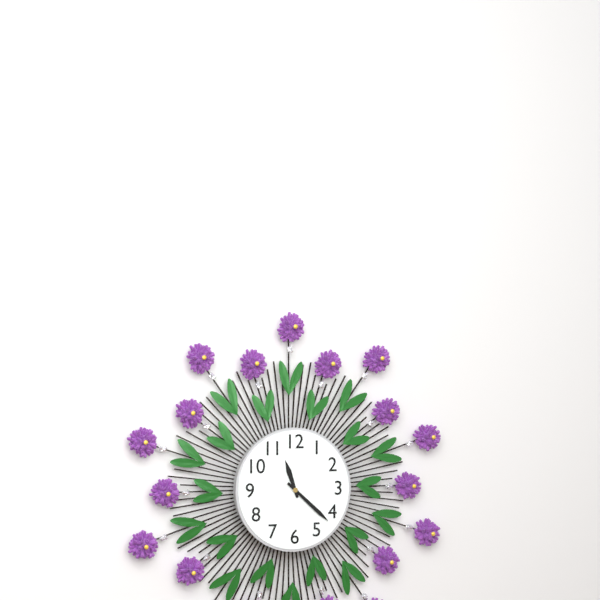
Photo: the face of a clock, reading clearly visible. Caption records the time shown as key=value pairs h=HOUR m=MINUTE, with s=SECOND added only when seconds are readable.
h=11 m=22
